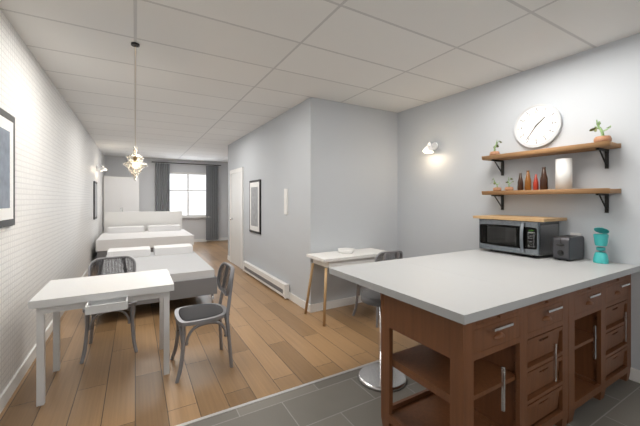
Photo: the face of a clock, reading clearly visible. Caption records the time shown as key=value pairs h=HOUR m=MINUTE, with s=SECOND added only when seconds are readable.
h=1 m=36
